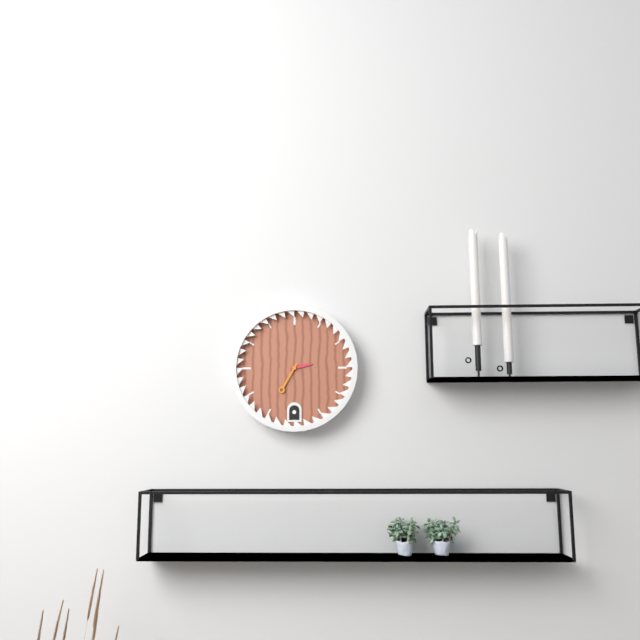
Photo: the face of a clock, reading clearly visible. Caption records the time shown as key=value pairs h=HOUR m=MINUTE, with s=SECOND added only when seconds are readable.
h=2 m=35
